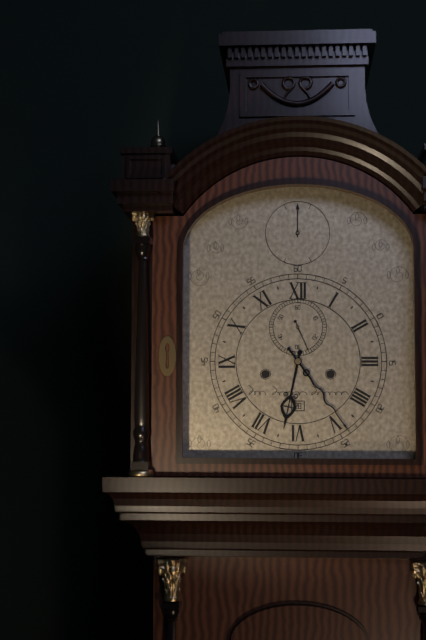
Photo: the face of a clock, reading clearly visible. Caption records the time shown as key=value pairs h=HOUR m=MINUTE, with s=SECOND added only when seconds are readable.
h=6 m=24
